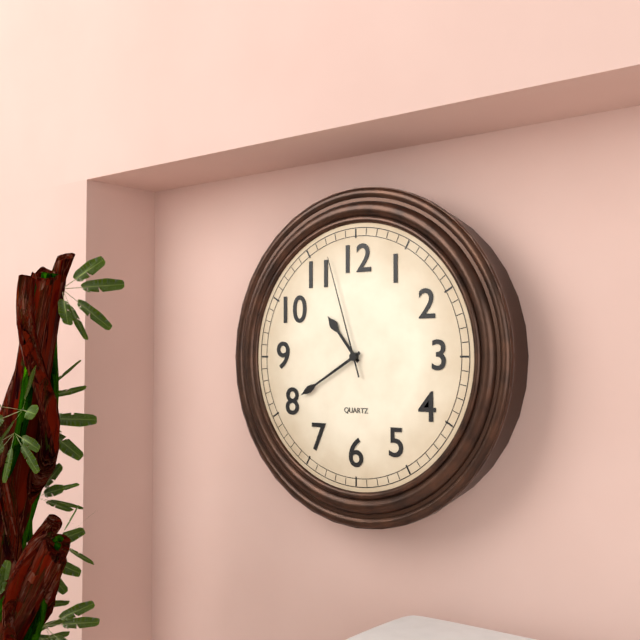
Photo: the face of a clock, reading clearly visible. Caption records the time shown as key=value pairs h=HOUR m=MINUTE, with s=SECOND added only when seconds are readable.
h=10 m=40 s=57
